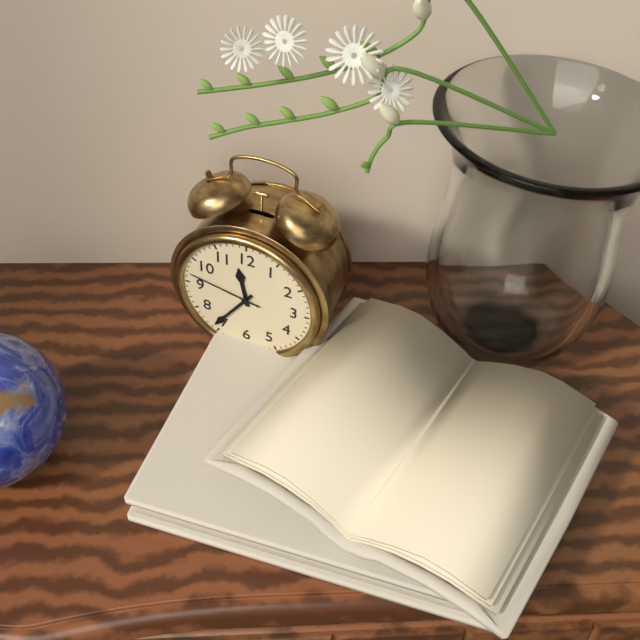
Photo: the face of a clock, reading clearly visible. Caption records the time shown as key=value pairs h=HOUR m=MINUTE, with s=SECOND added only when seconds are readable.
h=11 m=36 s=47
